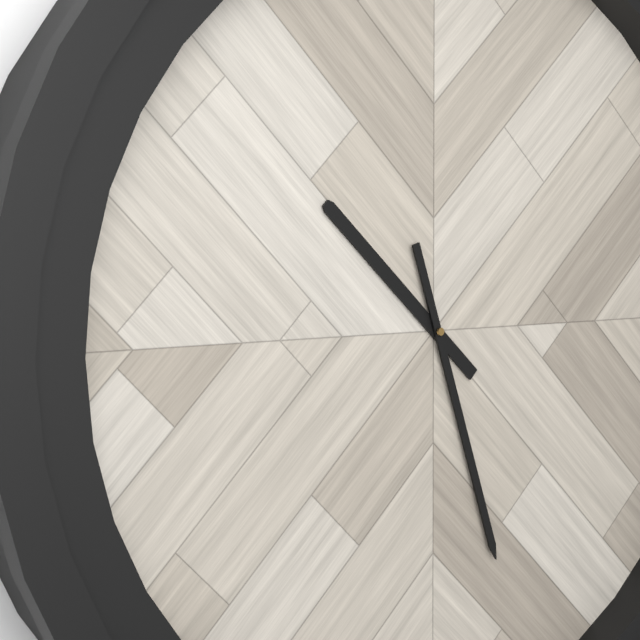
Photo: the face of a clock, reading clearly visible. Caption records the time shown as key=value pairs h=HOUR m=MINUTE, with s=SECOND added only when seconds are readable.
h=10 m=27
